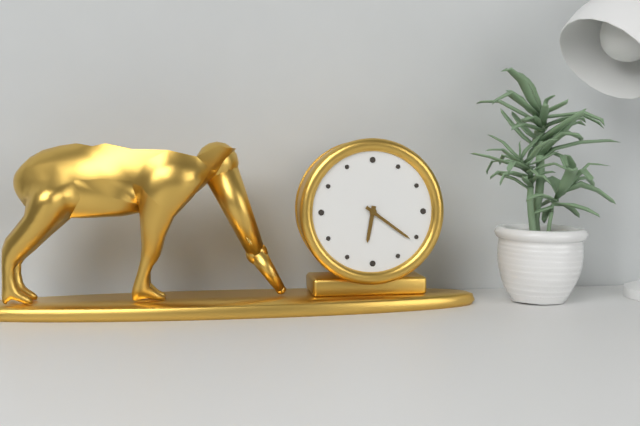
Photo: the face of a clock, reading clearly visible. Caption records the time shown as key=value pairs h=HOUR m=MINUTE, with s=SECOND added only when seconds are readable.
h=6 m=21
